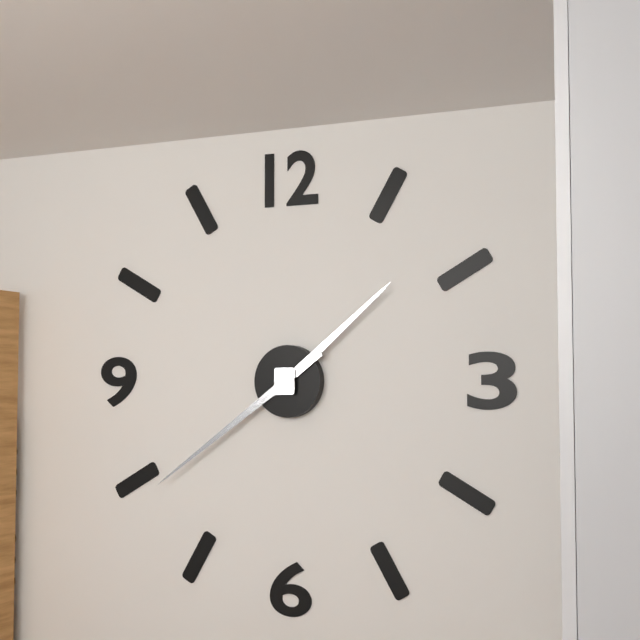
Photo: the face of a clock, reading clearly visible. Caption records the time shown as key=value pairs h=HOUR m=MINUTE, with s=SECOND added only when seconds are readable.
h=1 m=39
